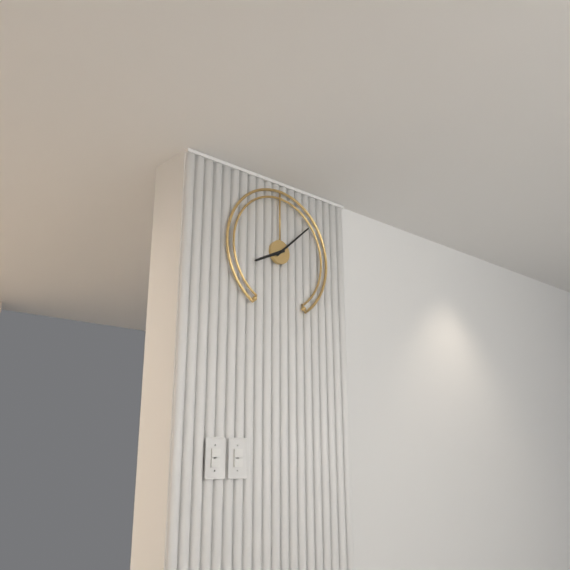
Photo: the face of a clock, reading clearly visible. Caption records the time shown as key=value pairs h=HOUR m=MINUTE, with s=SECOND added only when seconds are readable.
h=8 m=8
